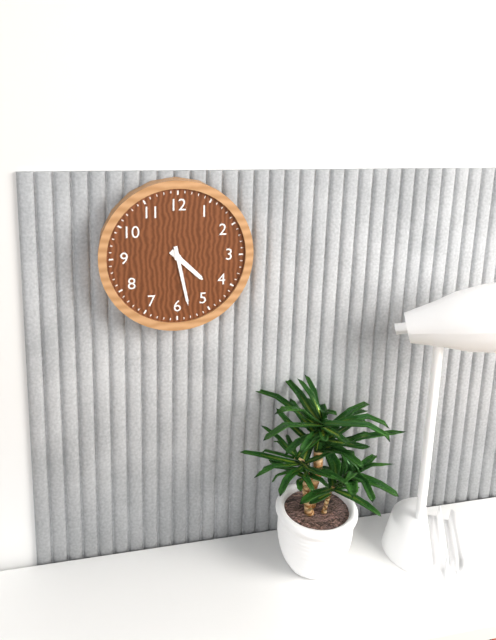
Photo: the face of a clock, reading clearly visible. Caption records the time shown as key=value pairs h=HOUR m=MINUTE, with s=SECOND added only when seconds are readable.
h=4 m=28
